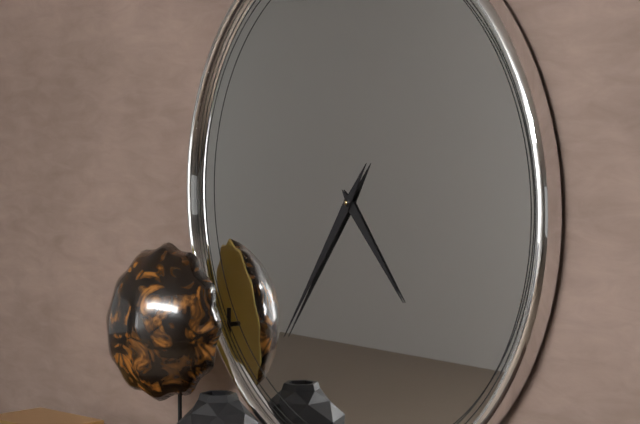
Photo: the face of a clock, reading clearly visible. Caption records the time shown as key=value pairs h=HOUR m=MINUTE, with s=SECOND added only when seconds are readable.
h=4 m=36
